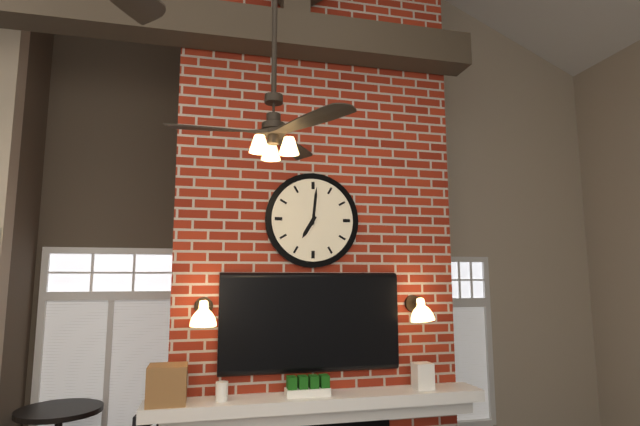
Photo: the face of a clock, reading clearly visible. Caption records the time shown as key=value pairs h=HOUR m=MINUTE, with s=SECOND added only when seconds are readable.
h=7 m=1
